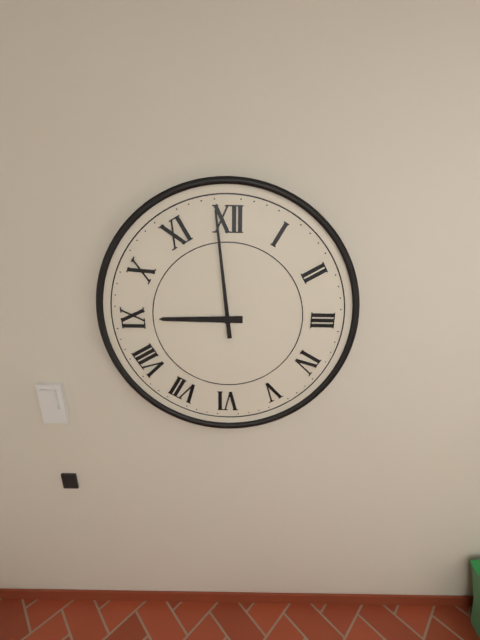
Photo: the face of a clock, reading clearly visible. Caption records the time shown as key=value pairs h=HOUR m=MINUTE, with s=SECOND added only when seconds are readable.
h=8 m=59
